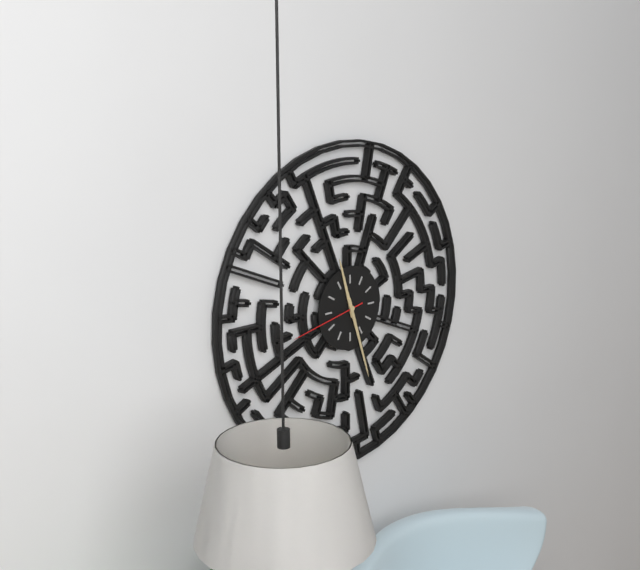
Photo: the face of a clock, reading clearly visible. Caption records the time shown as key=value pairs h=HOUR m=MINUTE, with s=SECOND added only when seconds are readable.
h=11 m=27 s=43
